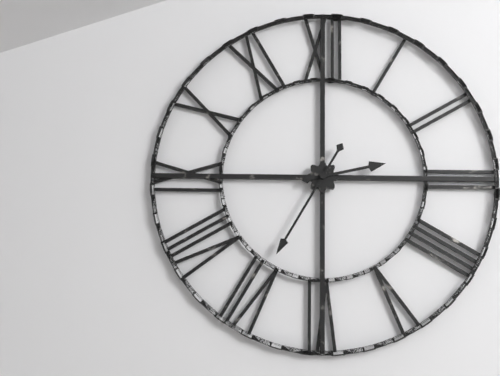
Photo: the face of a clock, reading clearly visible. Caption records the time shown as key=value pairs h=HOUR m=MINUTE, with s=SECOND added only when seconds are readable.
h=2 m=35
